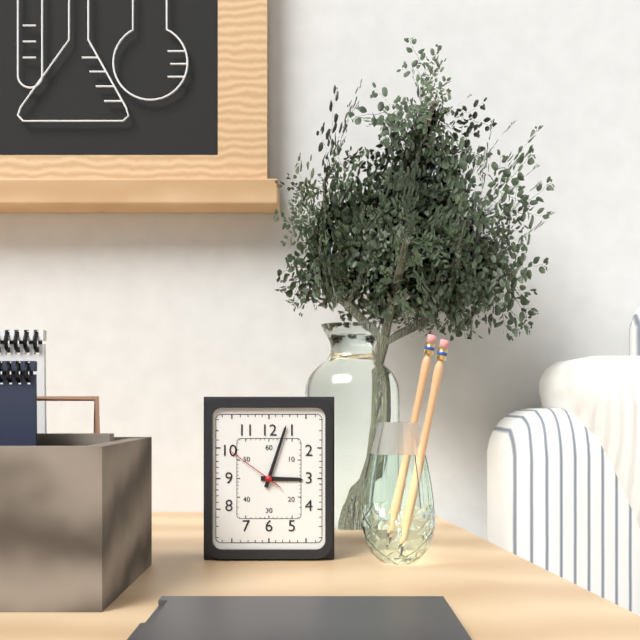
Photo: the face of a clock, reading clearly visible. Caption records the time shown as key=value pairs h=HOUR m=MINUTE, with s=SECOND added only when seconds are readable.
h=3 m=3 s=51
